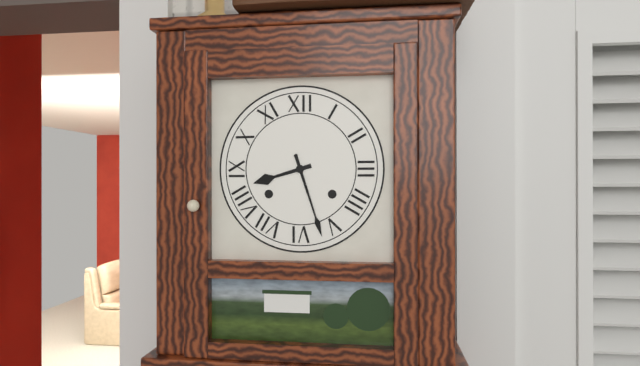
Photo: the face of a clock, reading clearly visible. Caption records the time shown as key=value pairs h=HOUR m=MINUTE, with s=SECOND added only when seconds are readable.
h=8 m=27
